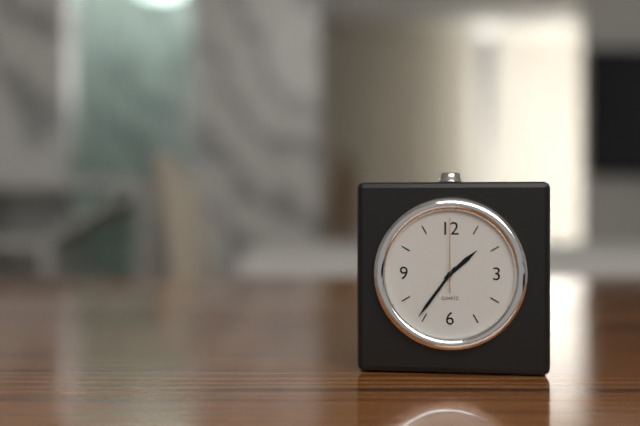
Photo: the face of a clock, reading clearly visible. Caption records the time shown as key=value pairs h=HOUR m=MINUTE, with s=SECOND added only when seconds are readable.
h=1 m=36 s=0
